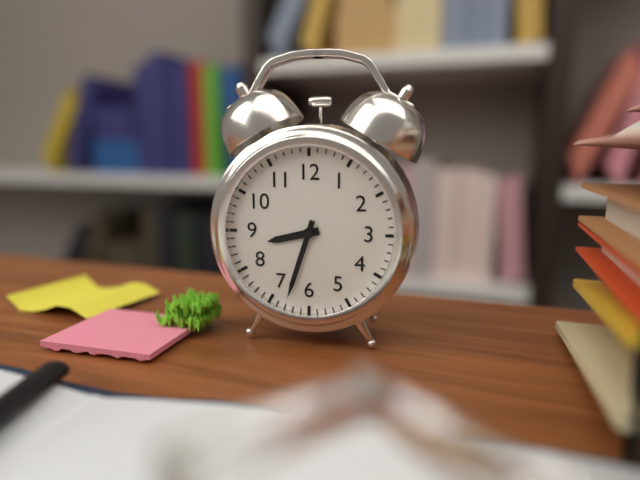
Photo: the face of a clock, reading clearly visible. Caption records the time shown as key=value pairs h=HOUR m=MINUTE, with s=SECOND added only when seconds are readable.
h=8 m=33
